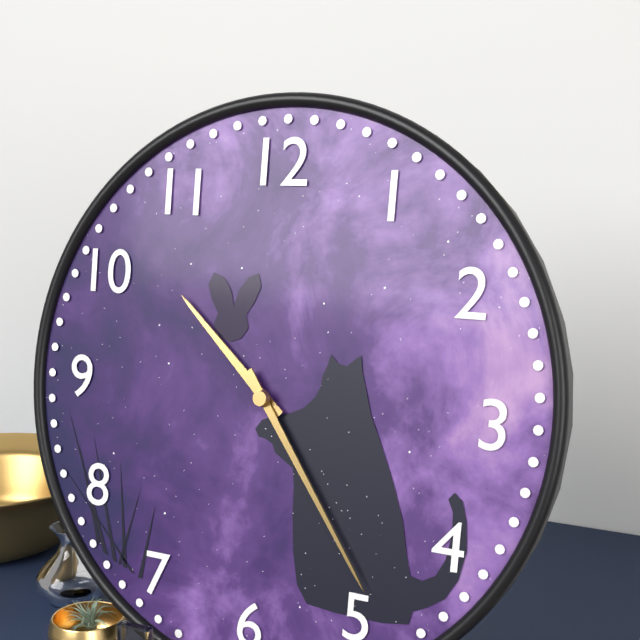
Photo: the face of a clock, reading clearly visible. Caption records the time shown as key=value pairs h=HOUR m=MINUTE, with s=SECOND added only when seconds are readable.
h=10 m=24
